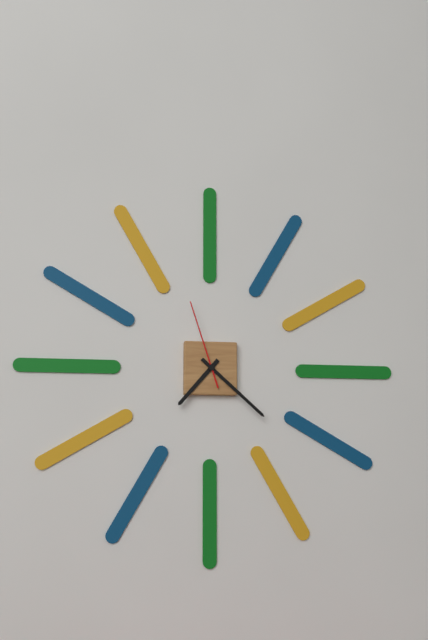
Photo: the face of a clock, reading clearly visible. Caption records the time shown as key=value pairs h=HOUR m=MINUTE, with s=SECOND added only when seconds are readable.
h=7 m=22 s=57
